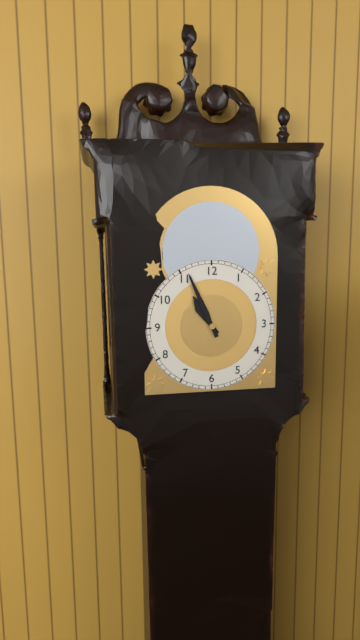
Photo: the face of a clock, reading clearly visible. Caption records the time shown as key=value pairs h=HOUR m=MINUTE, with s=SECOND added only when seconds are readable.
h=10 m=56
